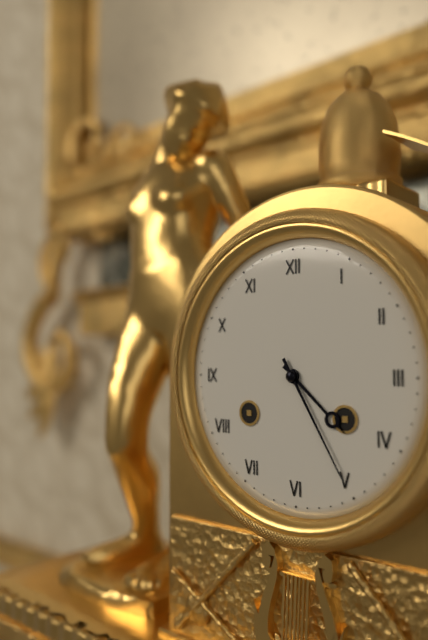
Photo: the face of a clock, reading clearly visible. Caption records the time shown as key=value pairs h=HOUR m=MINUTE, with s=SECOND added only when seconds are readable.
h=4 m=25
